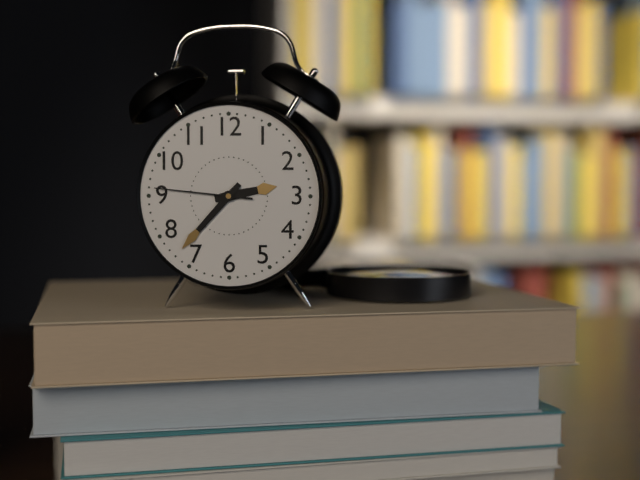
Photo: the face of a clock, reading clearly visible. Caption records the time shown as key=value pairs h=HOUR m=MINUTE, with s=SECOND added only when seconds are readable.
h=2 m=37 s=46
